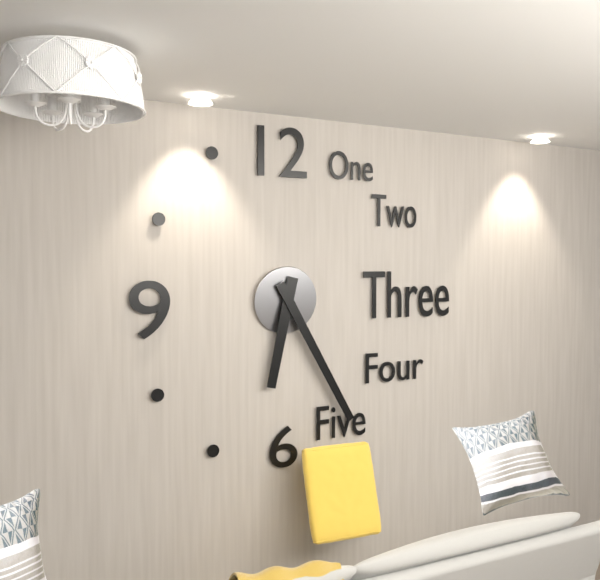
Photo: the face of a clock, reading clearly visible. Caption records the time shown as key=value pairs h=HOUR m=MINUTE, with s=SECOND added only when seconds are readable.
h=6 m=25
